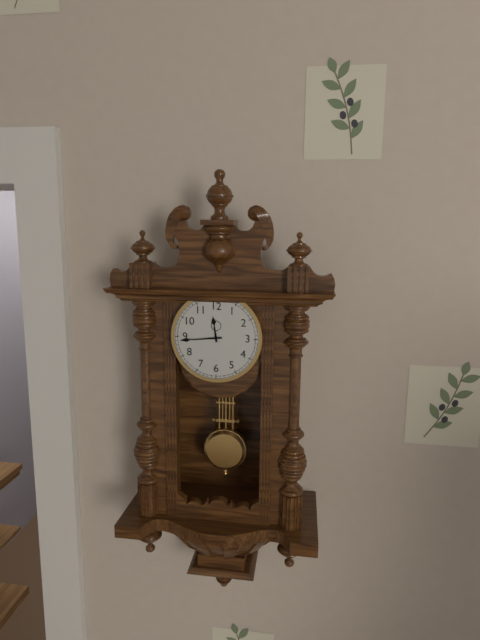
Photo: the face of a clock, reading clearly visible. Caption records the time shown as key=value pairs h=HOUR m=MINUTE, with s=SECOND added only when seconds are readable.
h=11 m=44
